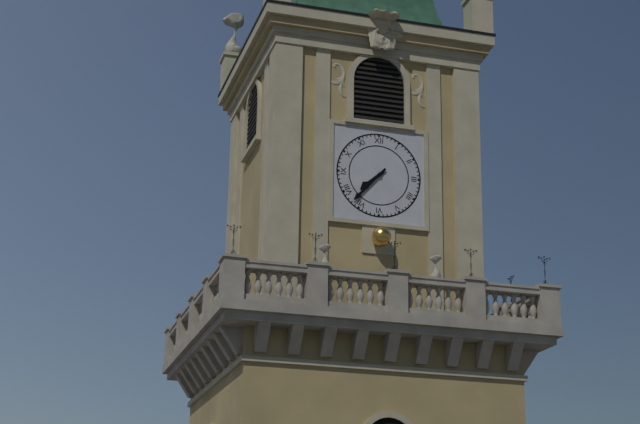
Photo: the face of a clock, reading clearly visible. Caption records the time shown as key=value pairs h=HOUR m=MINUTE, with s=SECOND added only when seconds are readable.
h=7 m=37
